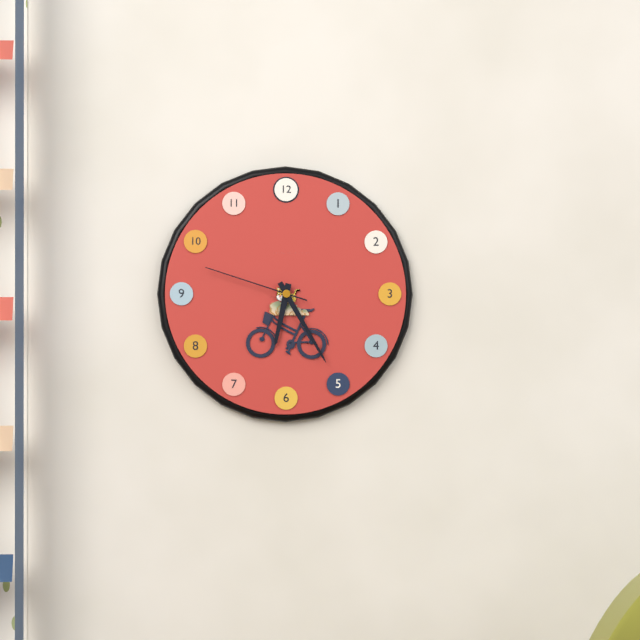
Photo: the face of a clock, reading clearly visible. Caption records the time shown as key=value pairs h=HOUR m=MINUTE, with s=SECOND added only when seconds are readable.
h=6 m=25 s=48
